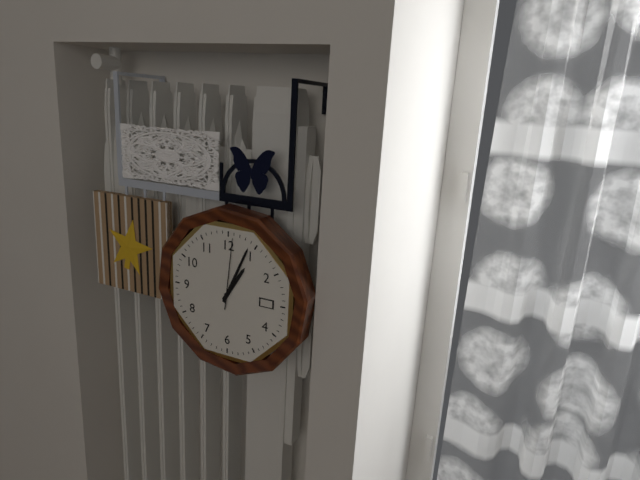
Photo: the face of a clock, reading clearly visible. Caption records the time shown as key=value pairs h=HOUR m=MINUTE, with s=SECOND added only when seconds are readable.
h=1 m=4 s=1
